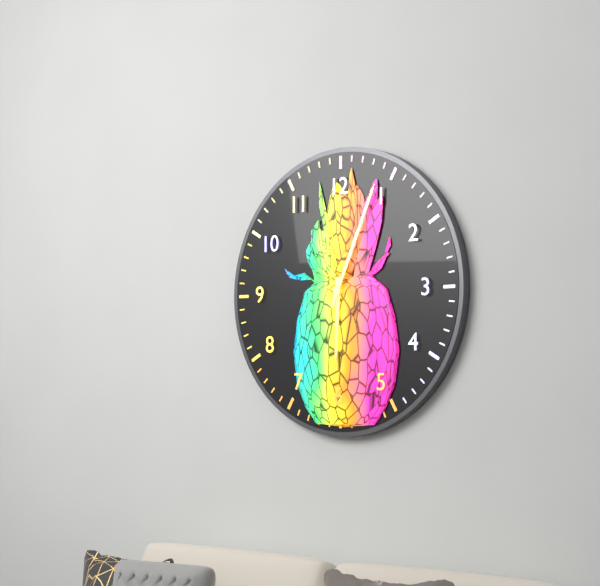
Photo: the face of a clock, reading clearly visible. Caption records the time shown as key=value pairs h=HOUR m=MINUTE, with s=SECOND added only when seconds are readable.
h=6 m=4
